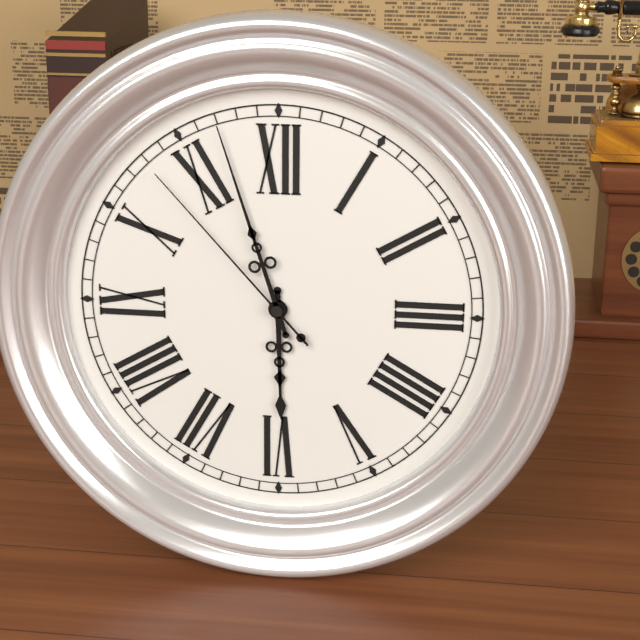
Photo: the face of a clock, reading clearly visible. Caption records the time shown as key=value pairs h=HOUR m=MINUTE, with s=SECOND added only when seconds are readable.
h=5 m=57 s=53
